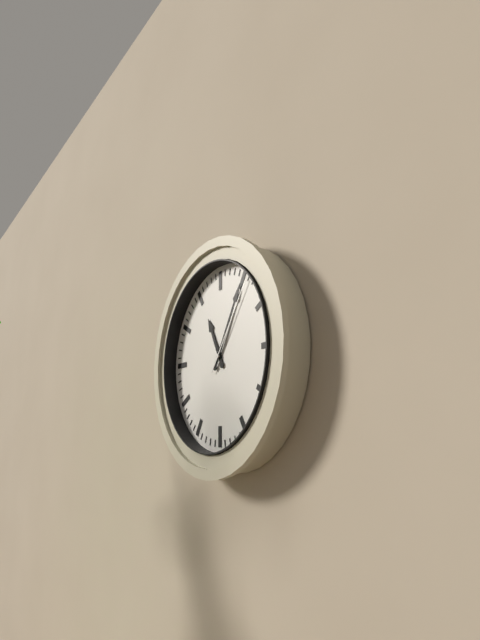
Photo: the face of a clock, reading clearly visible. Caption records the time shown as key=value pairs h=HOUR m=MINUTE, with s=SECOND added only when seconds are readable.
h=11 m=5 s=6
